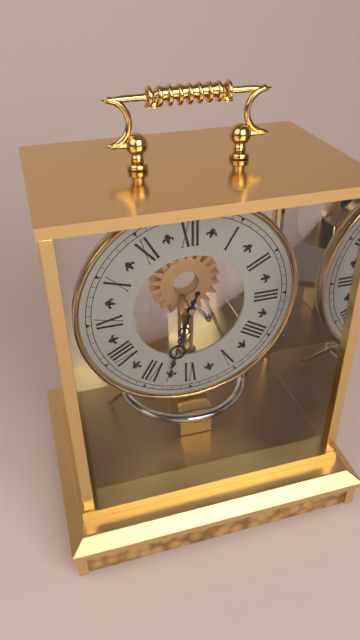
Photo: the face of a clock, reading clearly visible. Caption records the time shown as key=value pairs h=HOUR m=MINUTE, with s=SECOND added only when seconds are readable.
h=6 m=33
